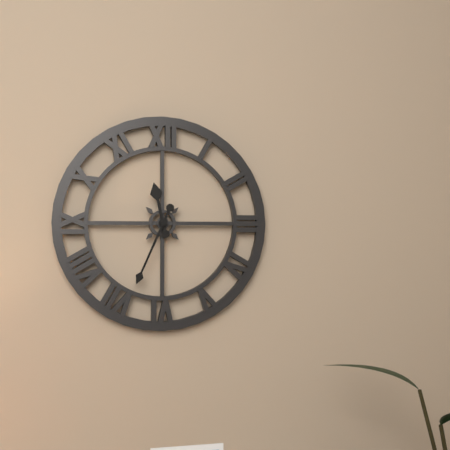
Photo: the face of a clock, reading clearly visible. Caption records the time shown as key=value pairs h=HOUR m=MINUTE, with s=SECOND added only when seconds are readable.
h=11 m=34
